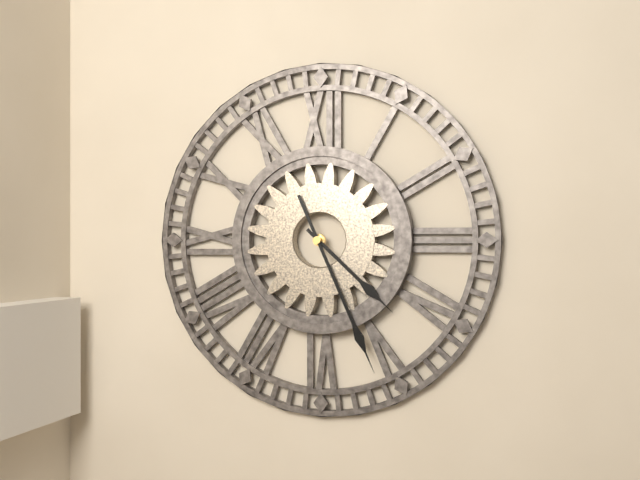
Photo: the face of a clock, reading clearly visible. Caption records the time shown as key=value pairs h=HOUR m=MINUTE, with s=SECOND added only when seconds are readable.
h=4 m=26
